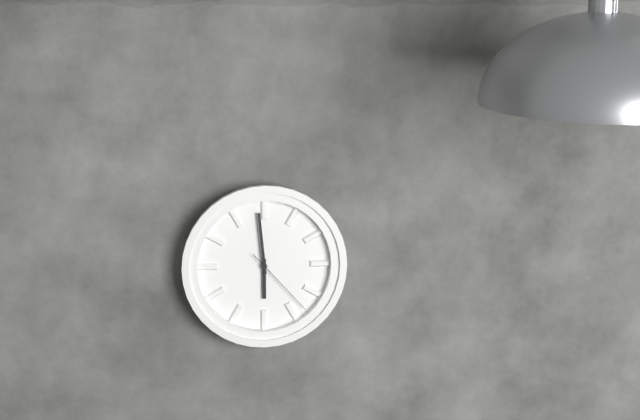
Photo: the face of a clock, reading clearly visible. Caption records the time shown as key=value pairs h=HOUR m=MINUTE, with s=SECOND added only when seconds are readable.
h=5 m=59 s=23
